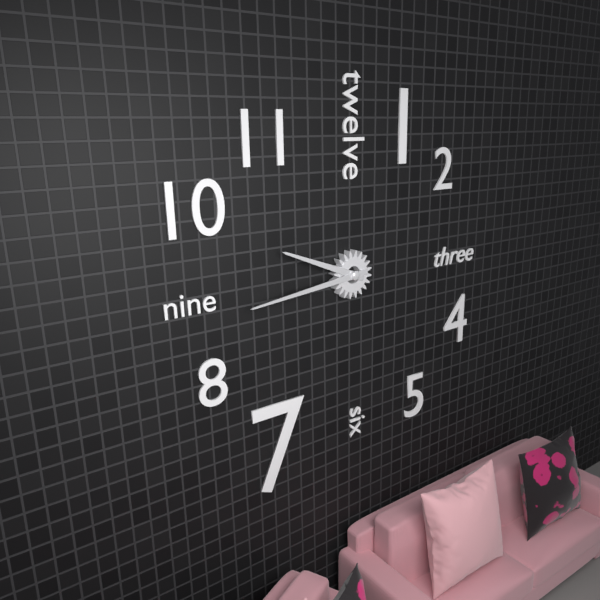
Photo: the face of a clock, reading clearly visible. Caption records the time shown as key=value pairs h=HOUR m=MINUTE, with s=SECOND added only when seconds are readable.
h=9 m=44
